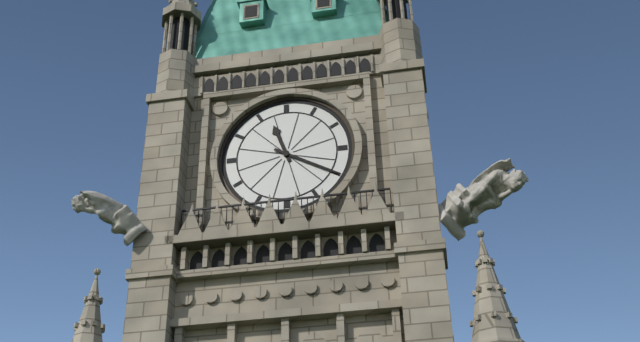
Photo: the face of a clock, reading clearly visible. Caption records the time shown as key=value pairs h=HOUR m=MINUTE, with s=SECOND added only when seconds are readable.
h=11 m=20
